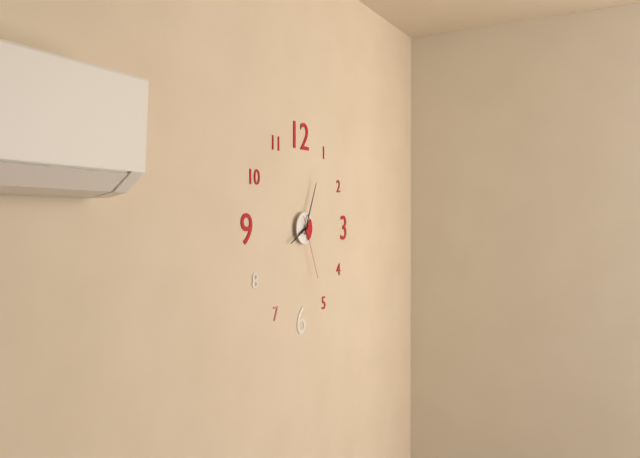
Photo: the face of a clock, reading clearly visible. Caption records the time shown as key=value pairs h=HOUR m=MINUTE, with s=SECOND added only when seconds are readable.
h=8 m=4 s=26
